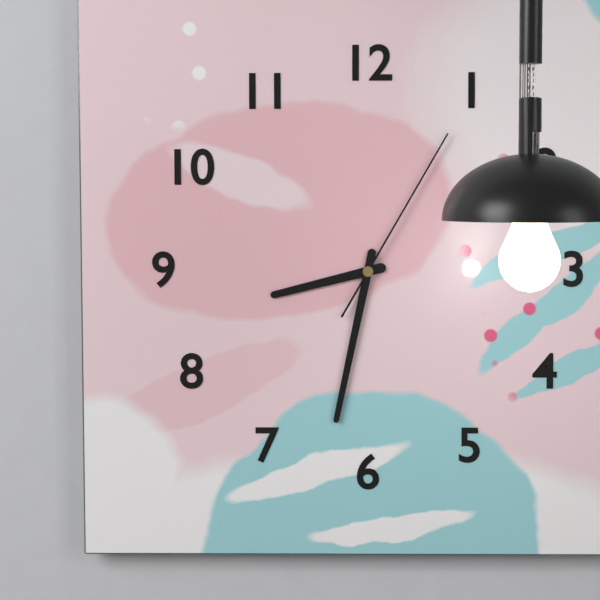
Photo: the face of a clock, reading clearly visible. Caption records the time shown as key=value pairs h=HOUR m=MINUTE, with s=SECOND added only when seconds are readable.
h=8 m=32 s=5
